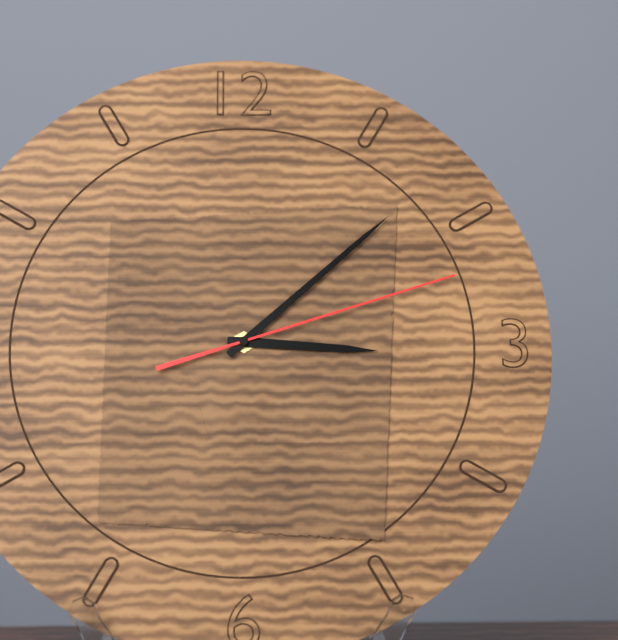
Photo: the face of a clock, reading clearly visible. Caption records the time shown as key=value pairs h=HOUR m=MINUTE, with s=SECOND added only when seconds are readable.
h=3 m=8 s=12
